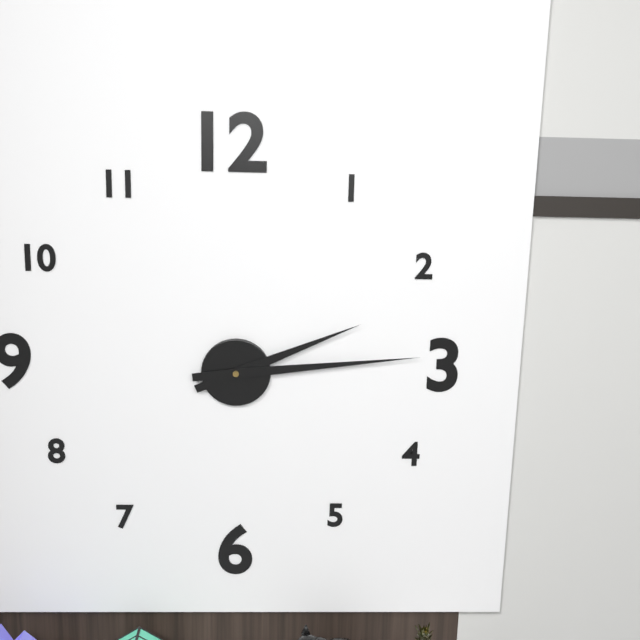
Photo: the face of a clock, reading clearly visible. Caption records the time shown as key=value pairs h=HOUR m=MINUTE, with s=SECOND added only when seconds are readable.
h=2 m=14
